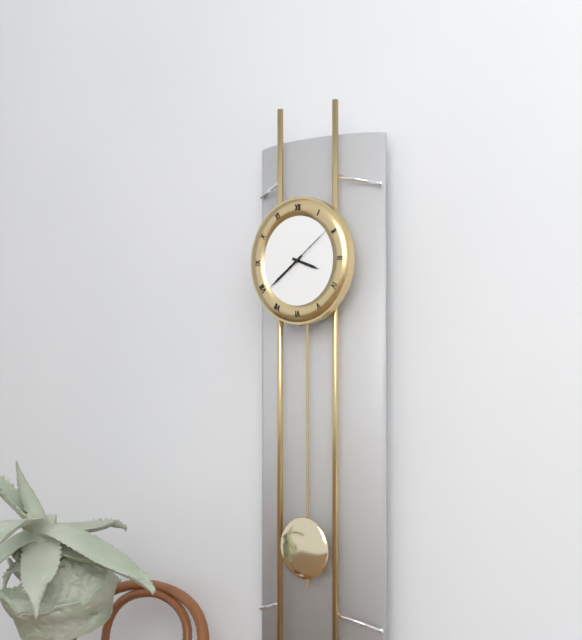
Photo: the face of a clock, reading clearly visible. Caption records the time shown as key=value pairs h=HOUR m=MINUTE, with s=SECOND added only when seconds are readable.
h=3 m=39 s=9
